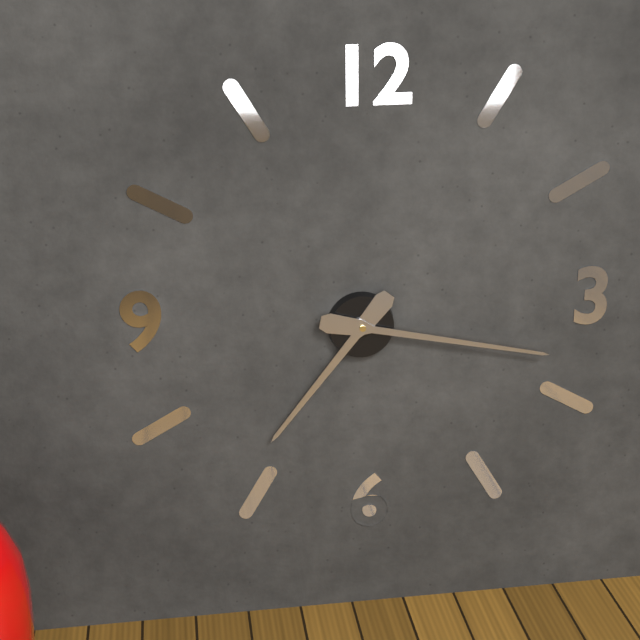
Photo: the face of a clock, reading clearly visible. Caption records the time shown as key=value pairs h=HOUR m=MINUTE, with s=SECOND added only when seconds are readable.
h=7 m=17
